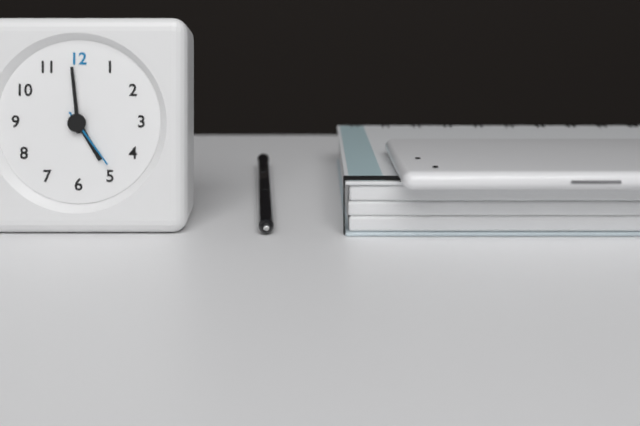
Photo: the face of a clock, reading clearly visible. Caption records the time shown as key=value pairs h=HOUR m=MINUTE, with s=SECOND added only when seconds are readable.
h=4 m=59 s=24
